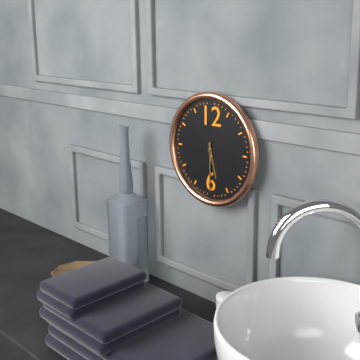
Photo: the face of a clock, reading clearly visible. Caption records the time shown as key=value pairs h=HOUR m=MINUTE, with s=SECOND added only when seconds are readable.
h=5 m=30
